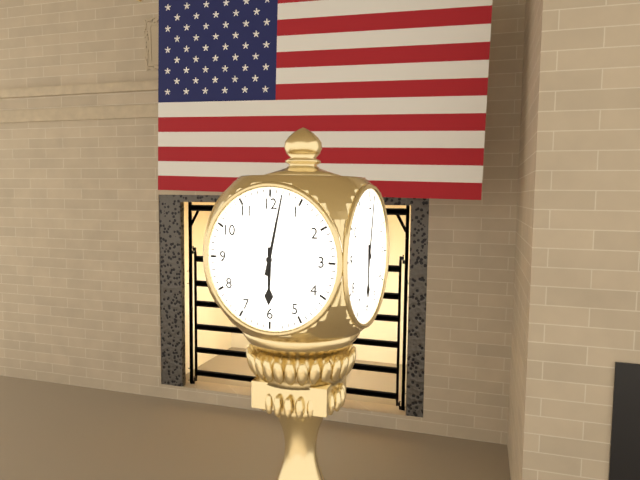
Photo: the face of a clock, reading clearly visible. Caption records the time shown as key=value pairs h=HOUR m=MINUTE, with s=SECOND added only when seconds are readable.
h=6 m=2
